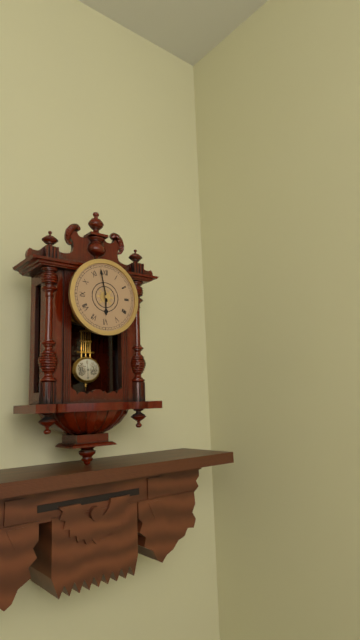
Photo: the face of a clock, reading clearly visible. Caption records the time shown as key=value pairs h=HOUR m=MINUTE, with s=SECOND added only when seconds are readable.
h=5 m=58
